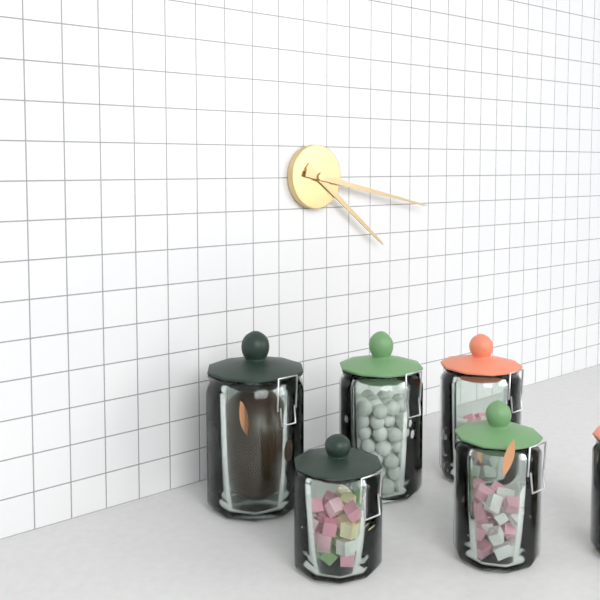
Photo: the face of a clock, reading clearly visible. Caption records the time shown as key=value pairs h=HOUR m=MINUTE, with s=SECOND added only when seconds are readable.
h=4 m=17
